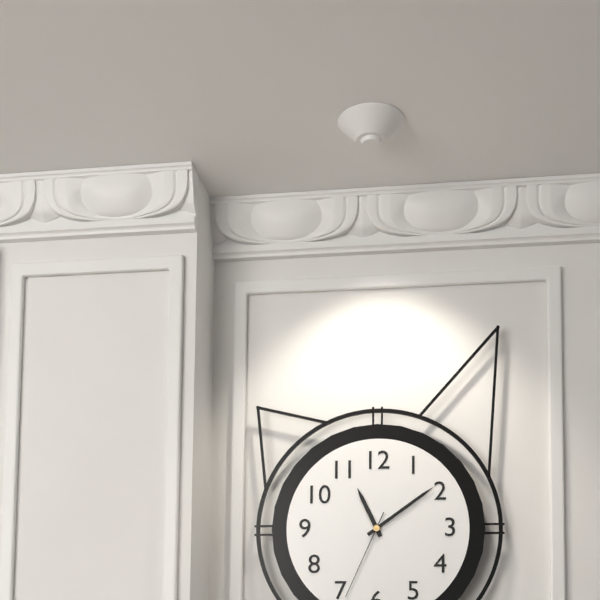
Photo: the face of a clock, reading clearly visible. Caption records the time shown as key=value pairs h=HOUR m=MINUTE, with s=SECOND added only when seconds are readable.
h=11 m=9 s=34
